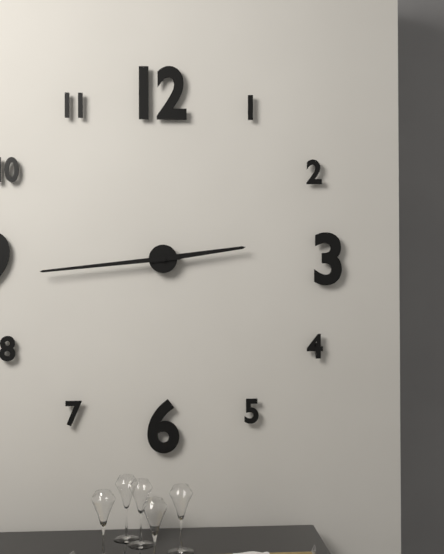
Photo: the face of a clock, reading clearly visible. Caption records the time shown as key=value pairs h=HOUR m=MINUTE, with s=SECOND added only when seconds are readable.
h=2 m=44
